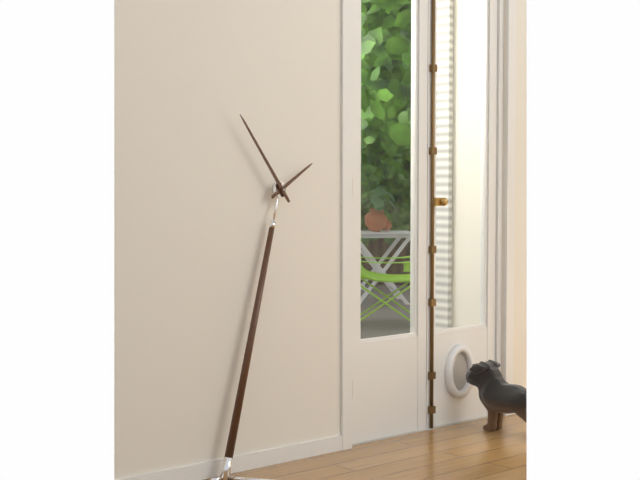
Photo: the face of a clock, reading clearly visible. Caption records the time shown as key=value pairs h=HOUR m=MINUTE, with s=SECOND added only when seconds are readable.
h=1 m=54
